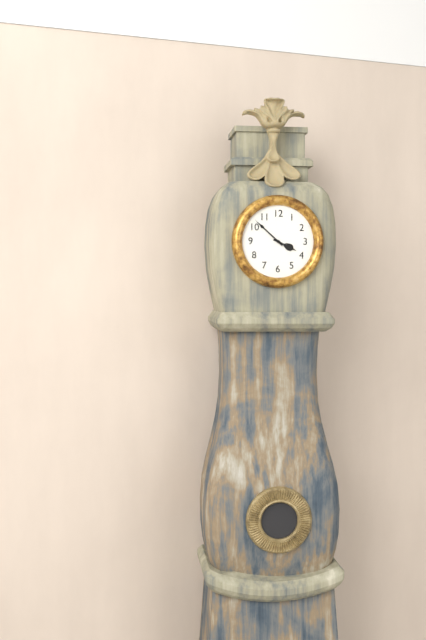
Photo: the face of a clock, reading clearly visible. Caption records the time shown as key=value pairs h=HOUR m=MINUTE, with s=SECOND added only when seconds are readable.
h=3 m=52
